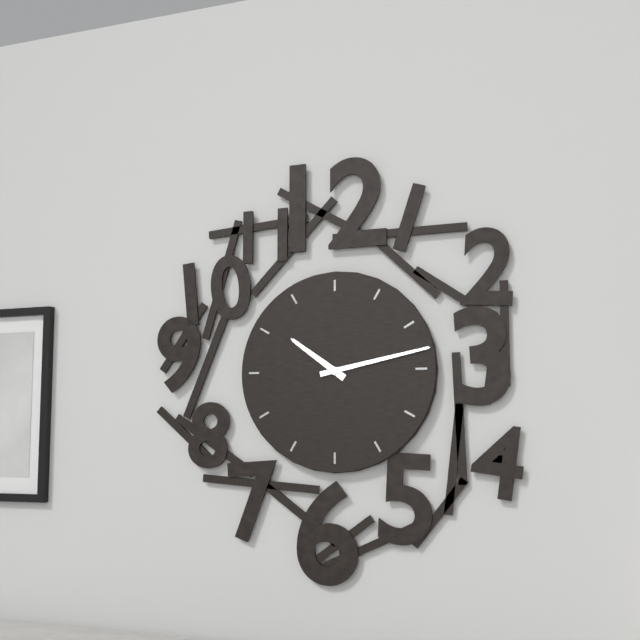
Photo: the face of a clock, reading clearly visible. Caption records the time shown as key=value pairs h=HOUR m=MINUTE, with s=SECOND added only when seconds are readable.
h=10 m=13
